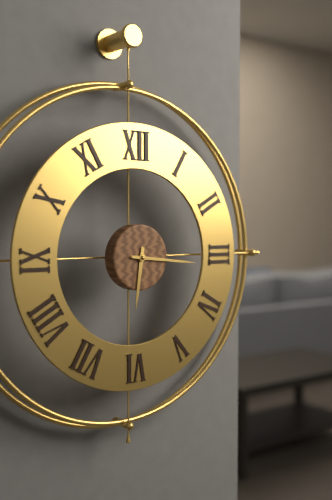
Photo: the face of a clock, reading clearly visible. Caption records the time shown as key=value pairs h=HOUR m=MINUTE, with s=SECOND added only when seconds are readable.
h=6 m=16
